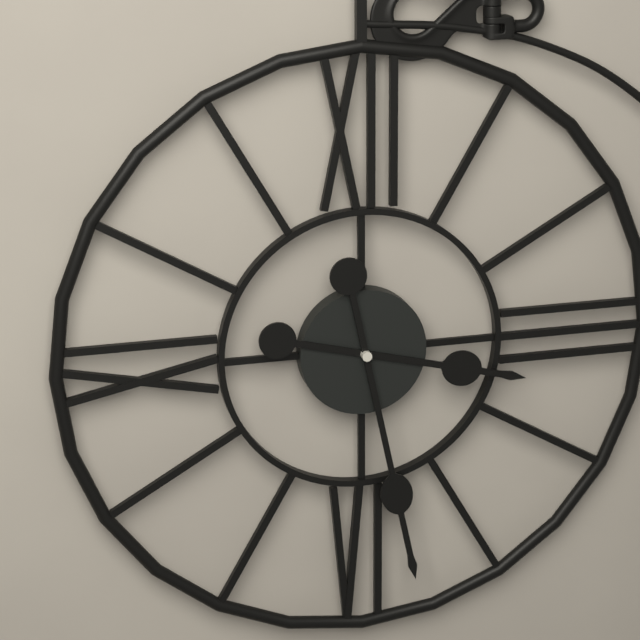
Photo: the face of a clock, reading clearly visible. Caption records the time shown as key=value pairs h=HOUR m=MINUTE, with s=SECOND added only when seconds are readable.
h=3 m=28
